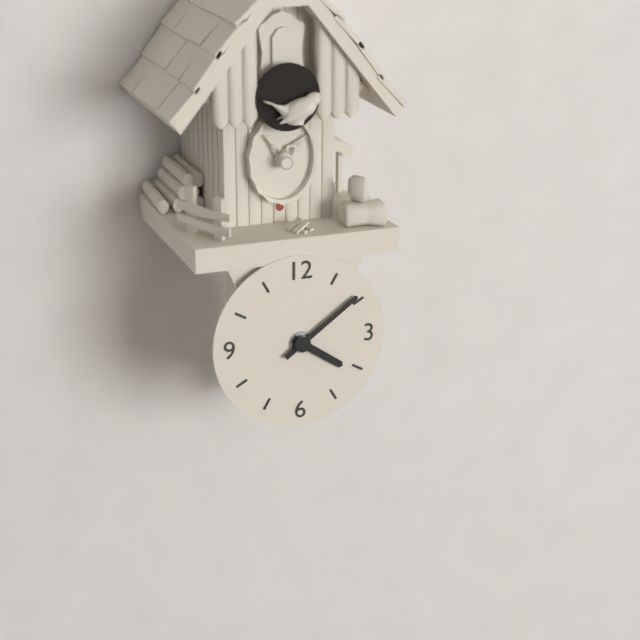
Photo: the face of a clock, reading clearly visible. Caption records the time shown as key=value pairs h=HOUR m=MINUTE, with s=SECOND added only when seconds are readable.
h=4 m=9
